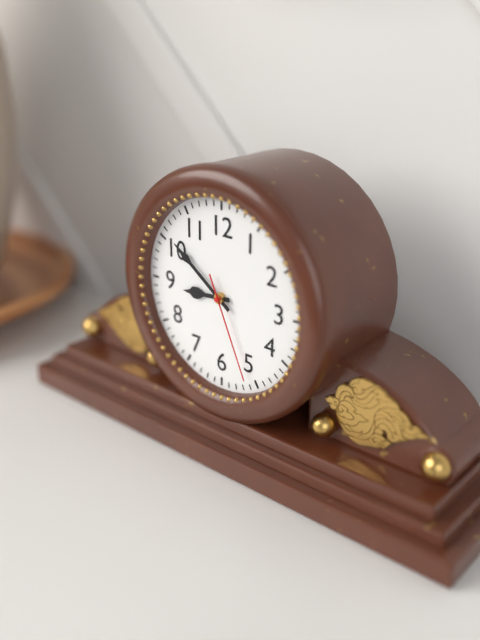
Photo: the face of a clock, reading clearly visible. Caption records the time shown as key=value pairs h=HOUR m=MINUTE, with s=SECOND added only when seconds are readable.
h=8 m=51 s=26
